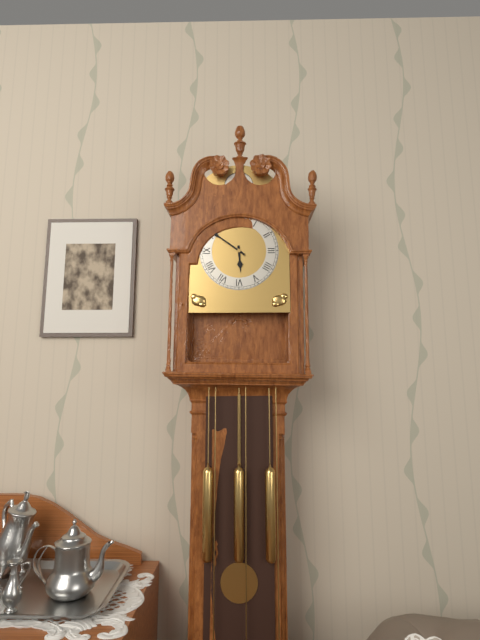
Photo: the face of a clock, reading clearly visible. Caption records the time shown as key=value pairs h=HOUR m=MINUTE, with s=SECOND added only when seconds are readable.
h=5 m=51
